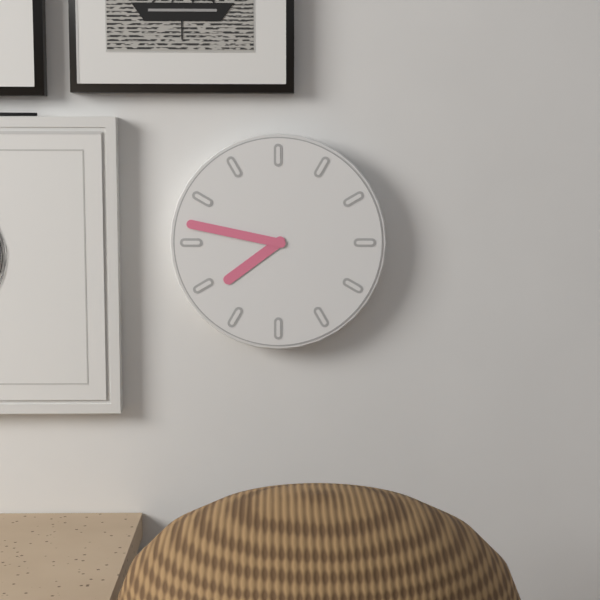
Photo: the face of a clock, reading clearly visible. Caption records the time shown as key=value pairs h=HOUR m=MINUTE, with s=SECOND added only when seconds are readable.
h=7 m=47
